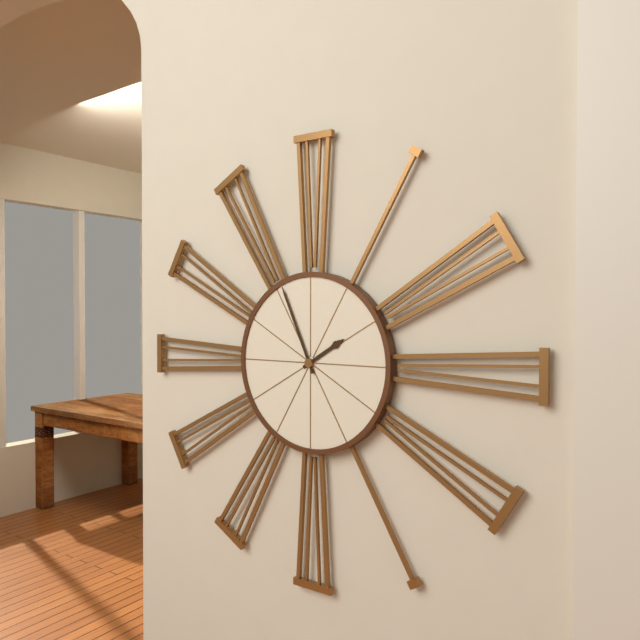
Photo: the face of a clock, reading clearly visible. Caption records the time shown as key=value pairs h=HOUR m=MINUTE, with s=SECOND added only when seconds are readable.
h=1 m=56
